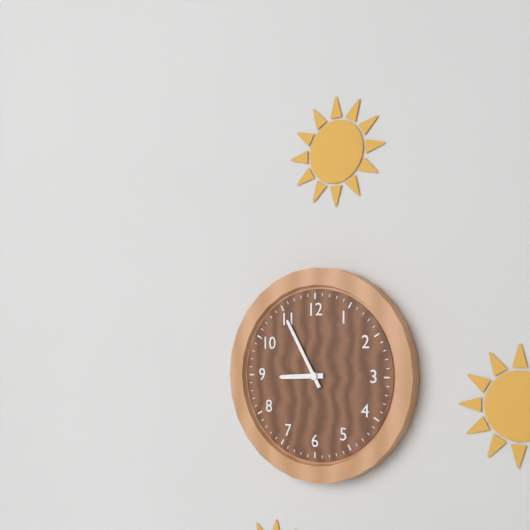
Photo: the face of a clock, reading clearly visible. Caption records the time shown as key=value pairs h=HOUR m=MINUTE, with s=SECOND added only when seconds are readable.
h=8 m=55
